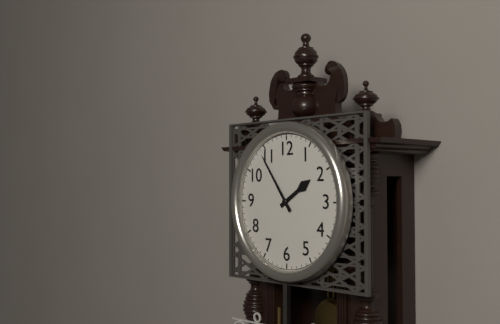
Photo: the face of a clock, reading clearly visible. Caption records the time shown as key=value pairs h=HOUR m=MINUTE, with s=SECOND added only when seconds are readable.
h=1 m=54
